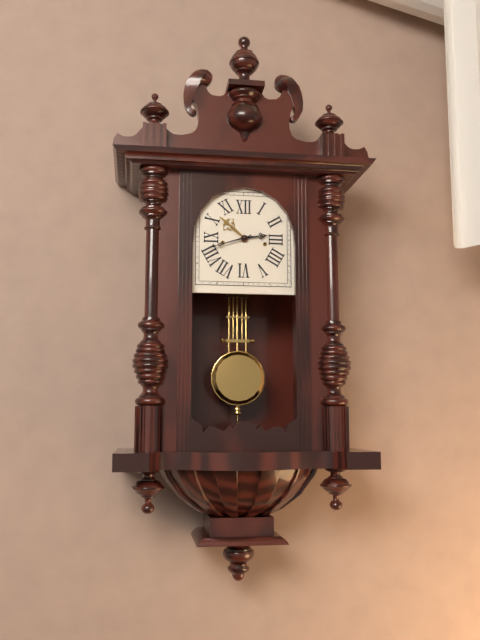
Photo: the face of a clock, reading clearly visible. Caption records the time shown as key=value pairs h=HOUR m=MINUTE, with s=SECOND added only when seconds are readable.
h=2 m=42
